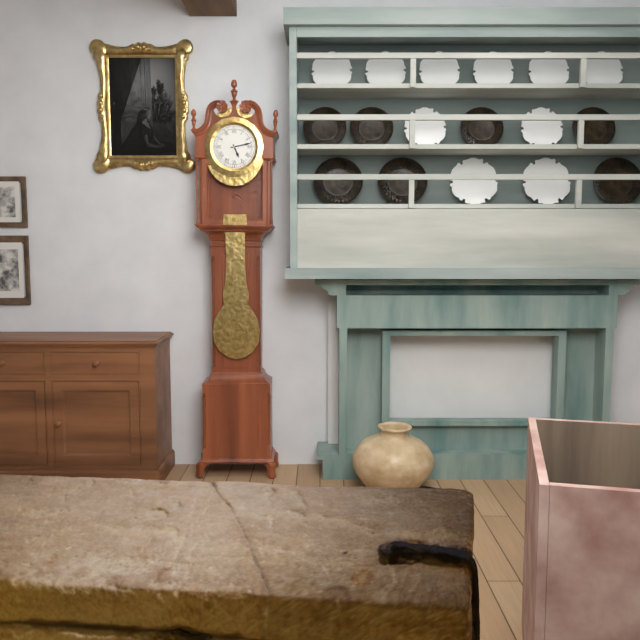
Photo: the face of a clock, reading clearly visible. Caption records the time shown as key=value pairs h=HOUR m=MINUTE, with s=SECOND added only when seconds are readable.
h=5 m=13
